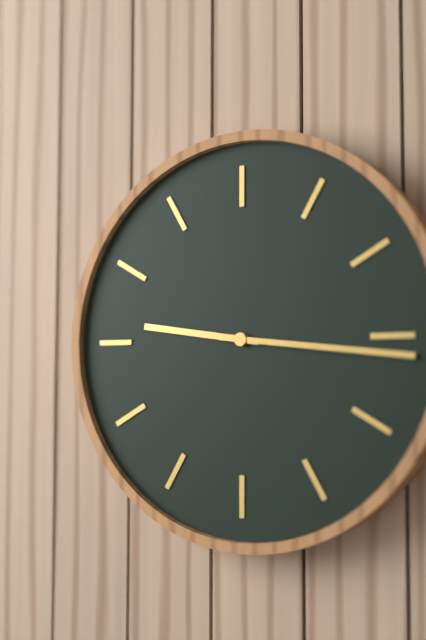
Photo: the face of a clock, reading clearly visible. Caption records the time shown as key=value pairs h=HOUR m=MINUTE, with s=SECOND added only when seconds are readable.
h=9 m=16
